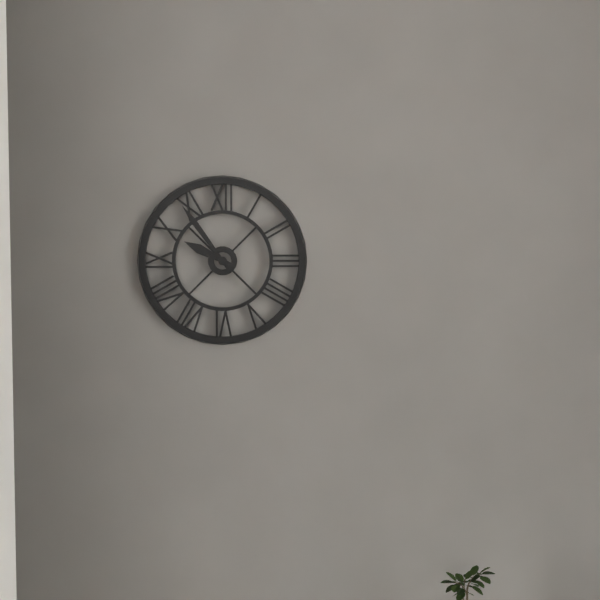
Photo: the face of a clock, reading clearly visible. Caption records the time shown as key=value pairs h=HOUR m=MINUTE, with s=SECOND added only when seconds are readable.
h=9 m=54
